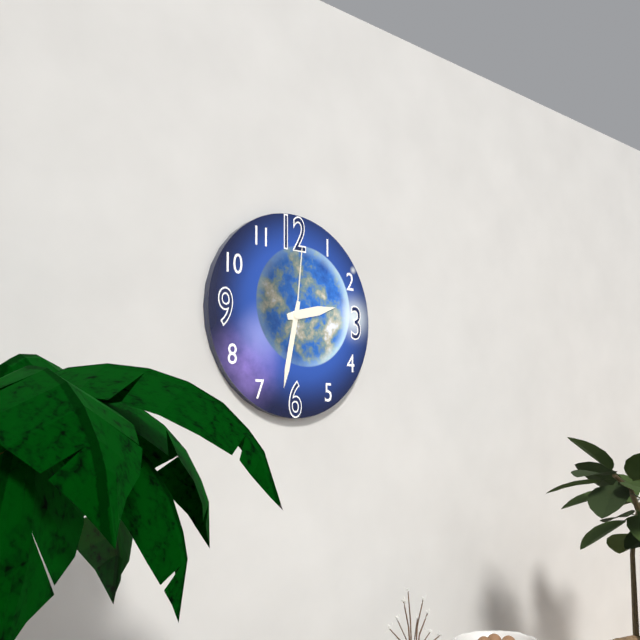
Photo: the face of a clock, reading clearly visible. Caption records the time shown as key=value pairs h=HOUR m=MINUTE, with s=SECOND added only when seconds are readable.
h=2 m=32 s=1
